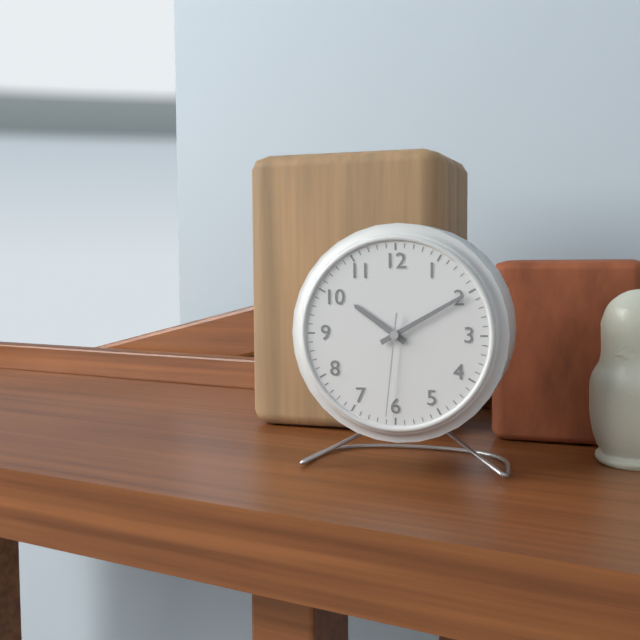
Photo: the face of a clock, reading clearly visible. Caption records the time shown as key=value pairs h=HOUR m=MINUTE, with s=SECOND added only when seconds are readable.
h=10 m=10 s=31
